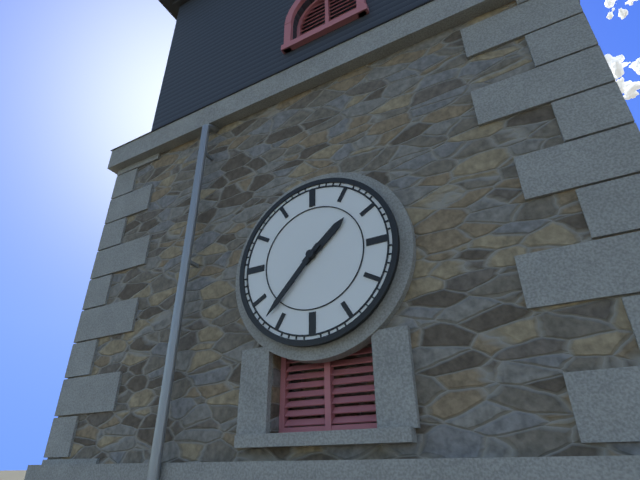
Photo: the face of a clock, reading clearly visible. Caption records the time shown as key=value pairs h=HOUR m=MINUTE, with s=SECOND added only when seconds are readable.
h=1 m=37
